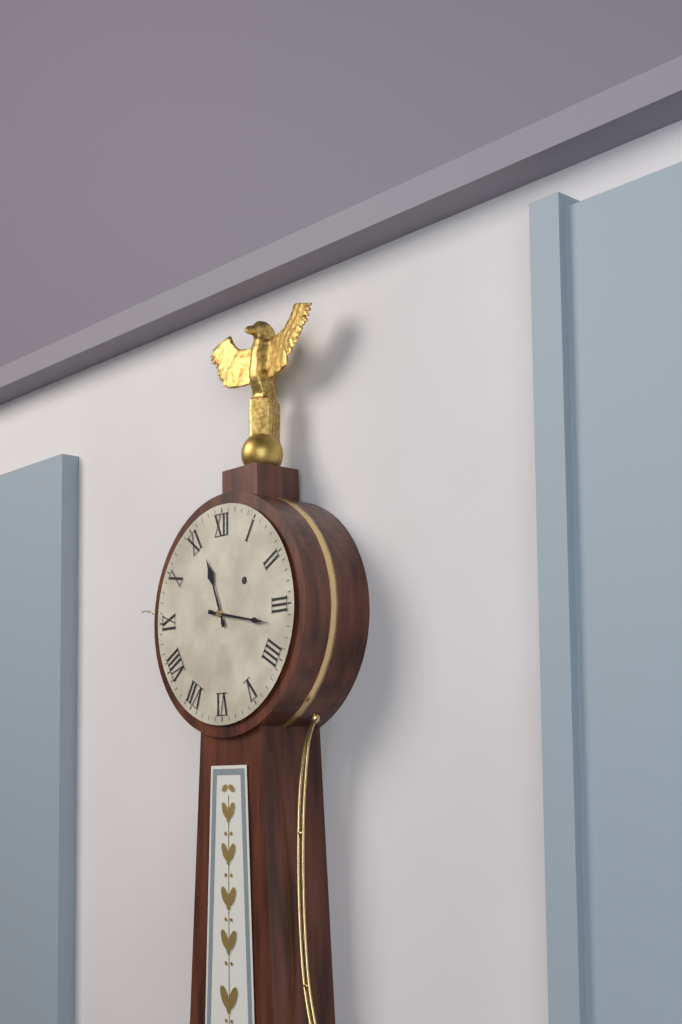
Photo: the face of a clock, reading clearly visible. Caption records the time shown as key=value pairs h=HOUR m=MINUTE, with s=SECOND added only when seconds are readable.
h=11 m=17
